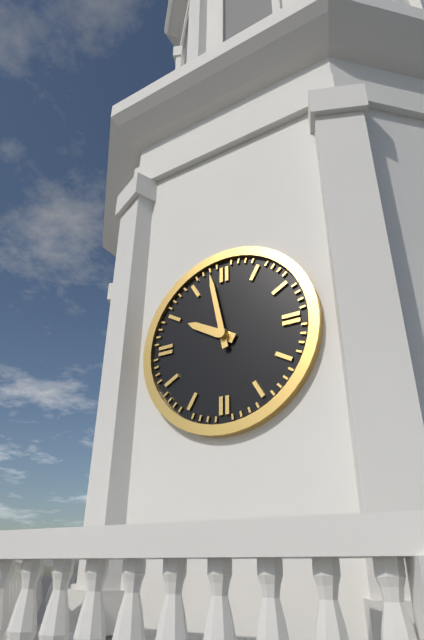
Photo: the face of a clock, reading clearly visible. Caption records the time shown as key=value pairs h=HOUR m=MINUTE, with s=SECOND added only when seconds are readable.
h=9 m=58
